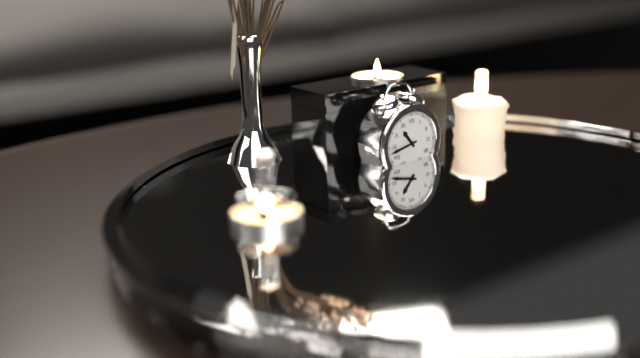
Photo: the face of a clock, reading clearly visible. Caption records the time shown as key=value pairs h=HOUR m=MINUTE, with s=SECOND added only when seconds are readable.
h=10 m=43
